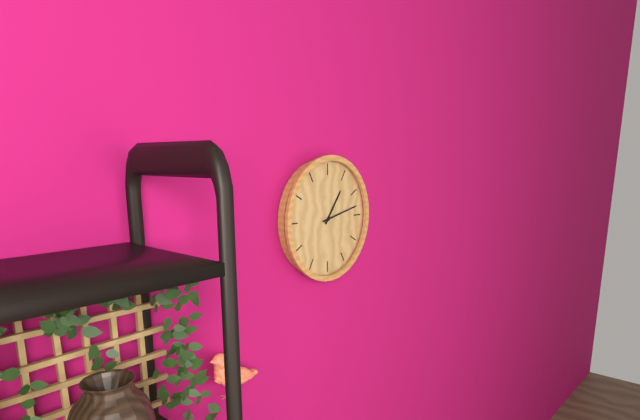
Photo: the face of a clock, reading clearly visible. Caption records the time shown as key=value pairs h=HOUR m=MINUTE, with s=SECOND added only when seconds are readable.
h=1 m=13
